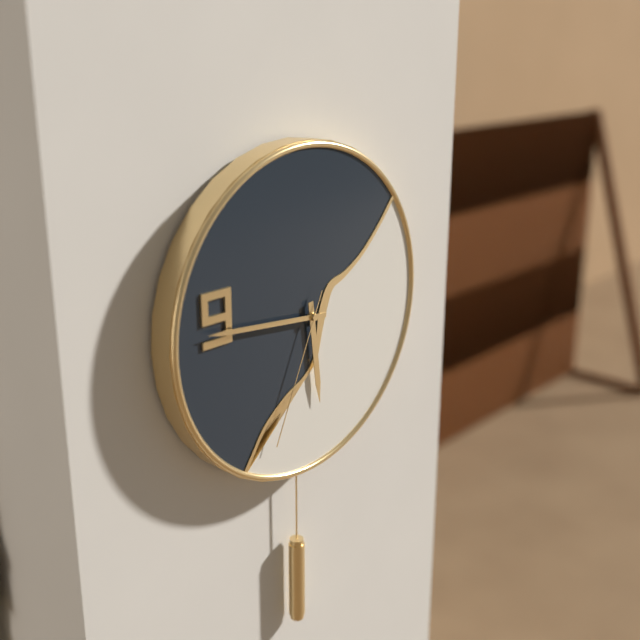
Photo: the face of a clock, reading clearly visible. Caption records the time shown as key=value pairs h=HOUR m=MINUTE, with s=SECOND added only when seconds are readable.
h=5 m=46 s=34
